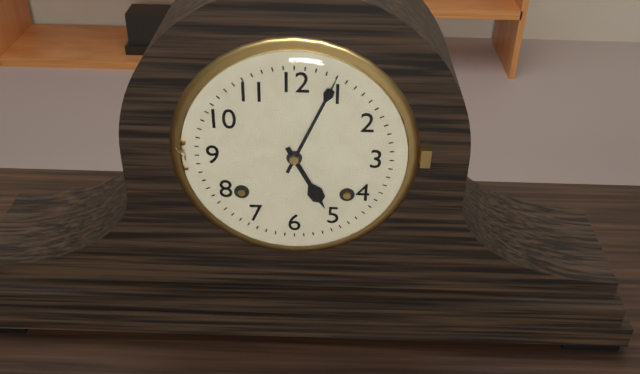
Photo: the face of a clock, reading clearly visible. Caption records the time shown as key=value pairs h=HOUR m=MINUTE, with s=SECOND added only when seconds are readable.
h=5 m=4
